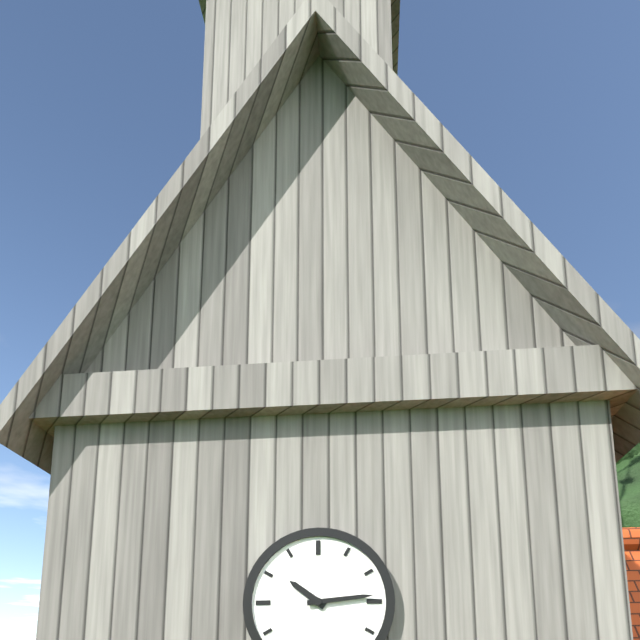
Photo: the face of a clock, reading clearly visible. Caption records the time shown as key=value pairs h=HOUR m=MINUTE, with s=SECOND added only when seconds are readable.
h=10 m=14
